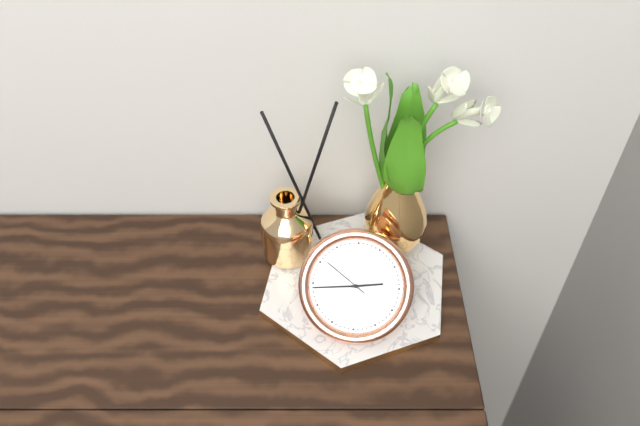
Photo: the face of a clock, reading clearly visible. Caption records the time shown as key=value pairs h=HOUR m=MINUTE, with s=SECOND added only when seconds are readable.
h=2 m=44
